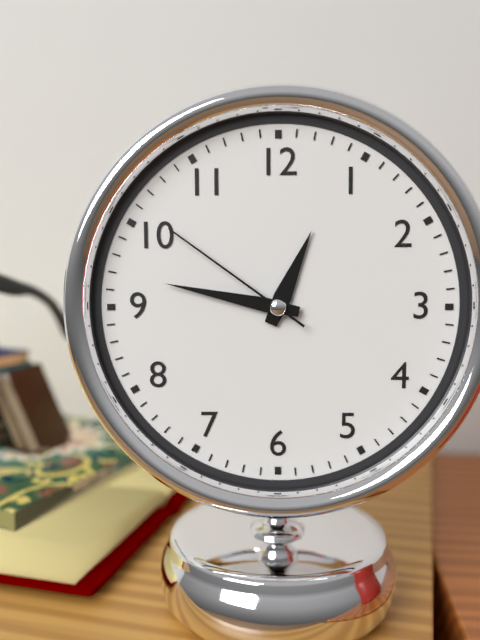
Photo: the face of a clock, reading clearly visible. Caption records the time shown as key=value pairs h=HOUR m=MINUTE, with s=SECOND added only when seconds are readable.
h=12 m=47 s=51
